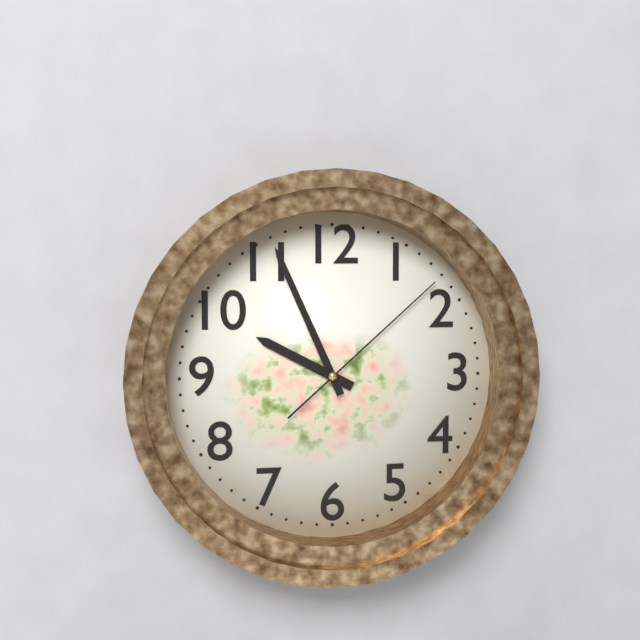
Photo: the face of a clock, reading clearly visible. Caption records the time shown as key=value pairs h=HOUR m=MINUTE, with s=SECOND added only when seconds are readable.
h=9 m=56 s=8
